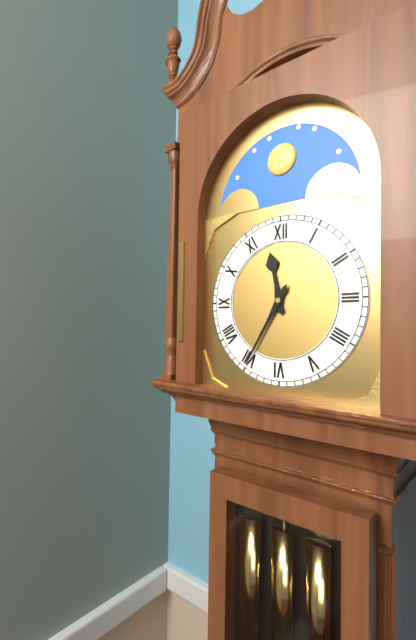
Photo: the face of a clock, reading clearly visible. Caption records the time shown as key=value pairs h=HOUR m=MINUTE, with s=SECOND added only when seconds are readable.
h=11 m=35
